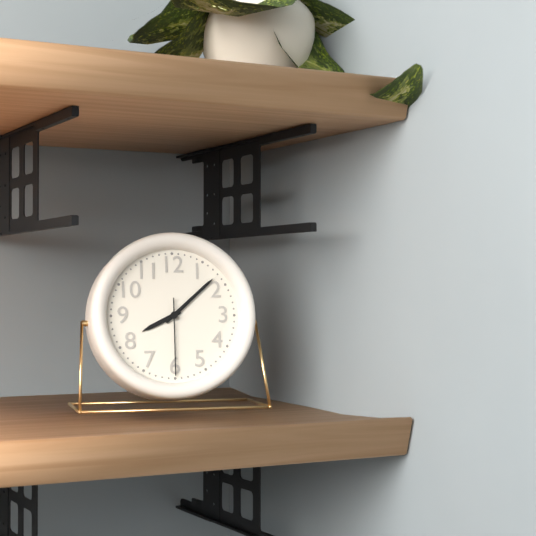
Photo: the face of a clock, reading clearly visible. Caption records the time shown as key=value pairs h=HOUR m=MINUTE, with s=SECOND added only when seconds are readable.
h=8 m=8 s=30
